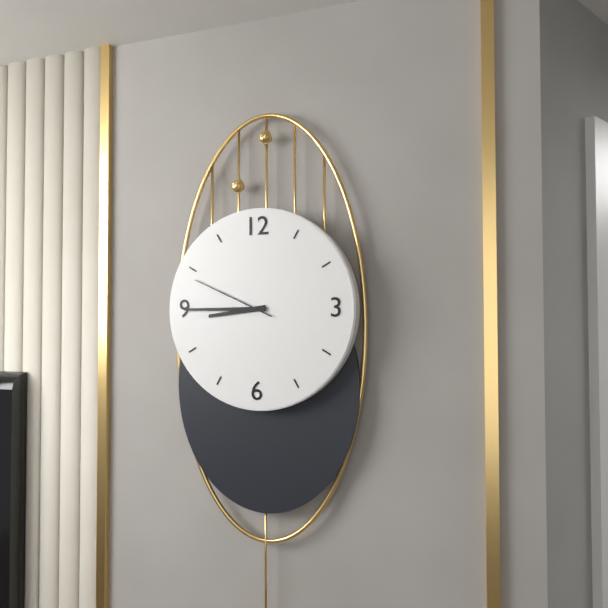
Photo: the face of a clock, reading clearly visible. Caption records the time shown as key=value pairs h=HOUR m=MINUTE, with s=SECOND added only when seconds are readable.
h=8 m=45 s=49
